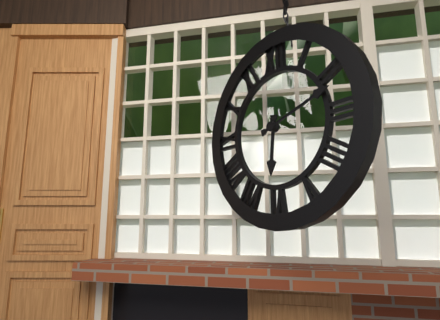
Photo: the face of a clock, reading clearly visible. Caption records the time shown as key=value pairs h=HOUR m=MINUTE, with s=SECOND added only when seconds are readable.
h=6 m=12
